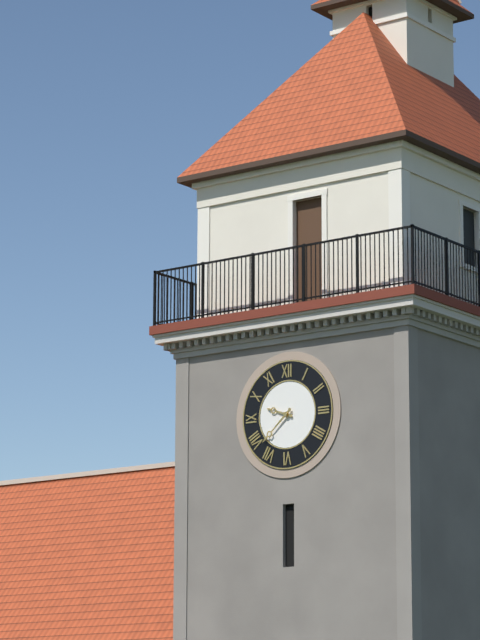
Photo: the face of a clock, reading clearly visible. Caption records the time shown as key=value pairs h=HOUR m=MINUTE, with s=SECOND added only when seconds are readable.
h=9 m=38
